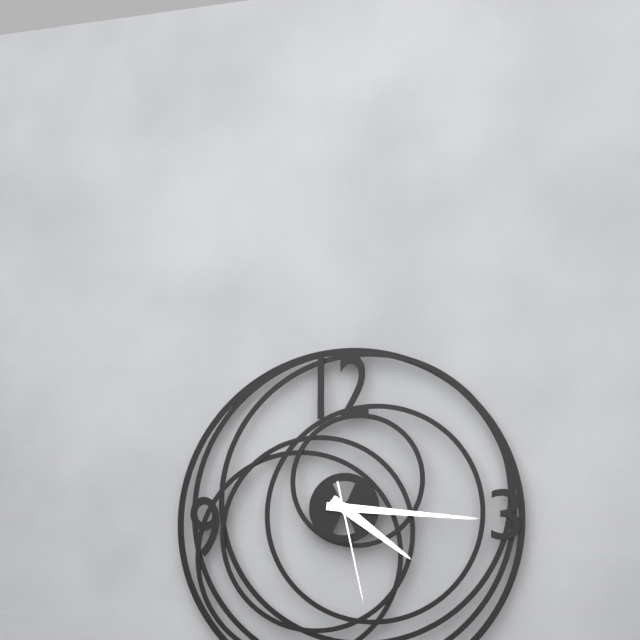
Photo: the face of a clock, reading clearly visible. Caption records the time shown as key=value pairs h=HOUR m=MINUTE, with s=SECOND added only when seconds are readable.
h=4 m=16 s=28
